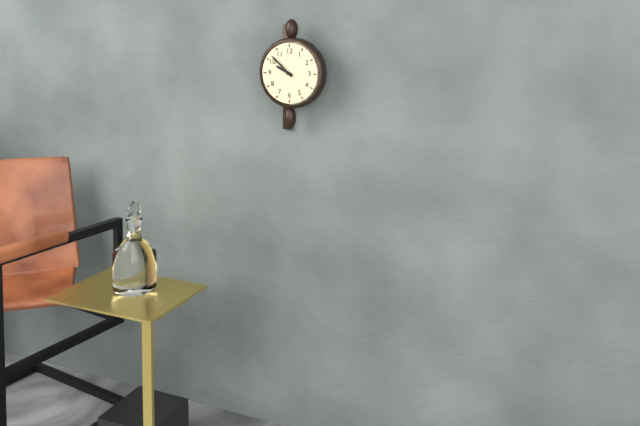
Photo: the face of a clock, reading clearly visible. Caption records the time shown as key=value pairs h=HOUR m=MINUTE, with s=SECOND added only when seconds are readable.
h=9 m=52
